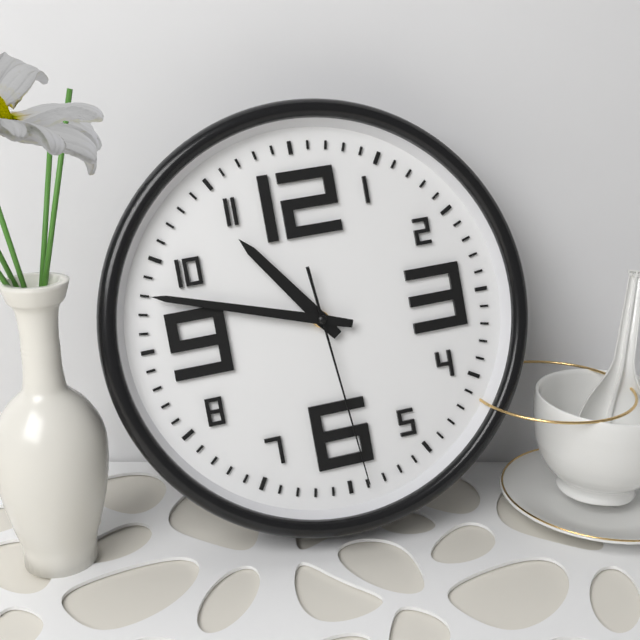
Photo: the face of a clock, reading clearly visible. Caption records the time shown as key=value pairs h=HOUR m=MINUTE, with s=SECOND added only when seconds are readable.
h=10 m=48 s=29
